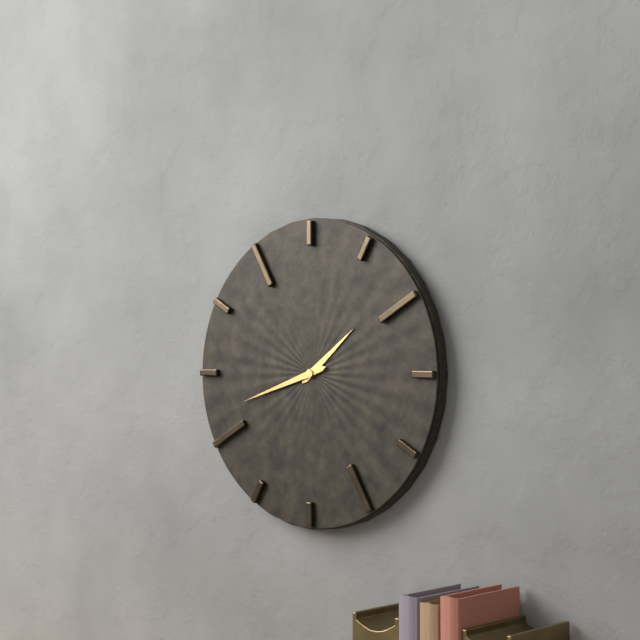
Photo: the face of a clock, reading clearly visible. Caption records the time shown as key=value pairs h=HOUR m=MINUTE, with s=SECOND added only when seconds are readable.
h=1 m=42
